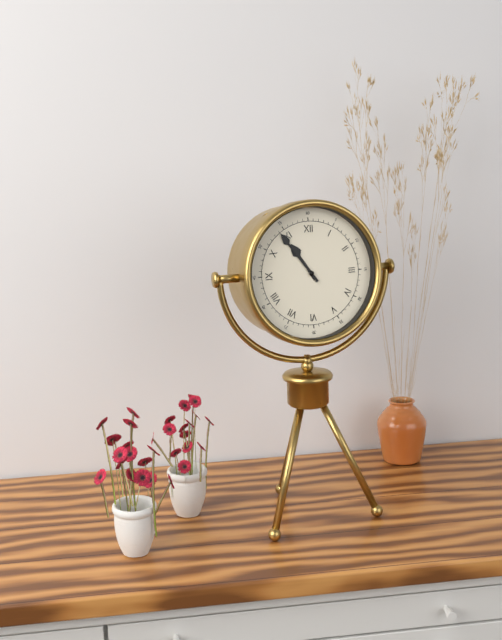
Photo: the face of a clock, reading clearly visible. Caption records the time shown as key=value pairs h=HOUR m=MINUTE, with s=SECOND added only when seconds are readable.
h=10 m=54
